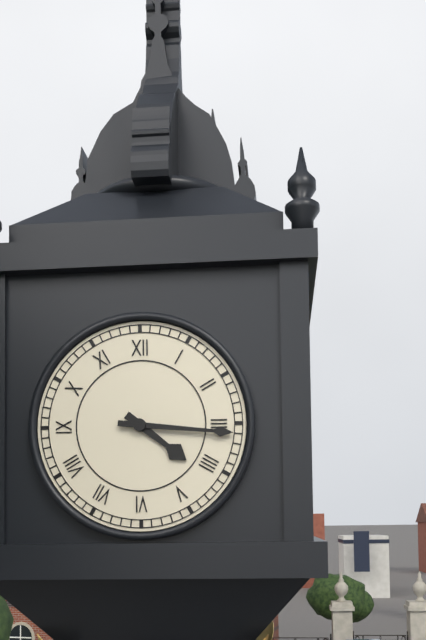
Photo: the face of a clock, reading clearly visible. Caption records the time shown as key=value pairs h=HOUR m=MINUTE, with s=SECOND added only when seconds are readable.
h=4 m=16
